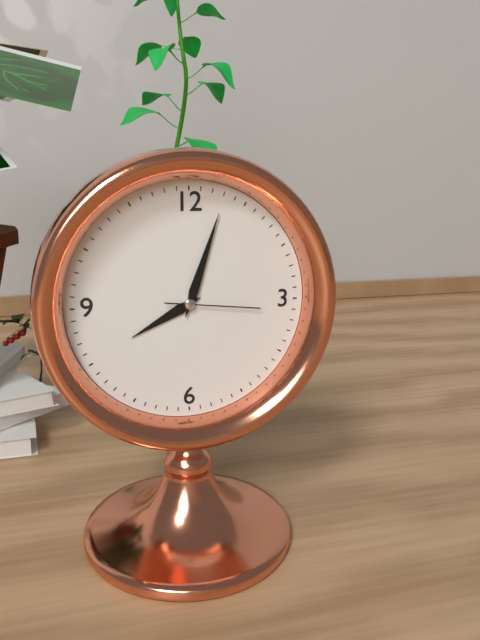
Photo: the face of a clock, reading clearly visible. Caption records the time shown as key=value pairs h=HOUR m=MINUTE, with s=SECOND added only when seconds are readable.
h=8 m=3 s=16
